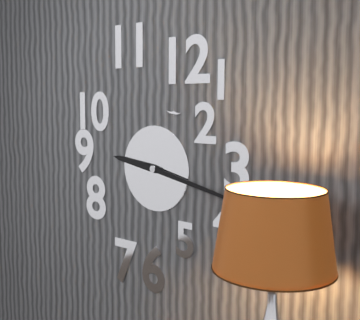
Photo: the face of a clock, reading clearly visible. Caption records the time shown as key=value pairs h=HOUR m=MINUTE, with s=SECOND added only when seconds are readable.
h=9 m=17
